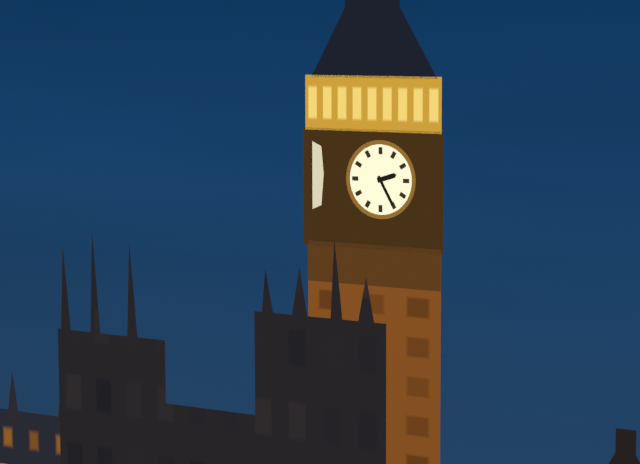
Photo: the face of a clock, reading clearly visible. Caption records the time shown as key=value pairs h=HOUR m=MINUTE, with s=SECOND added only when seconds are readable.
h=2 m=25
